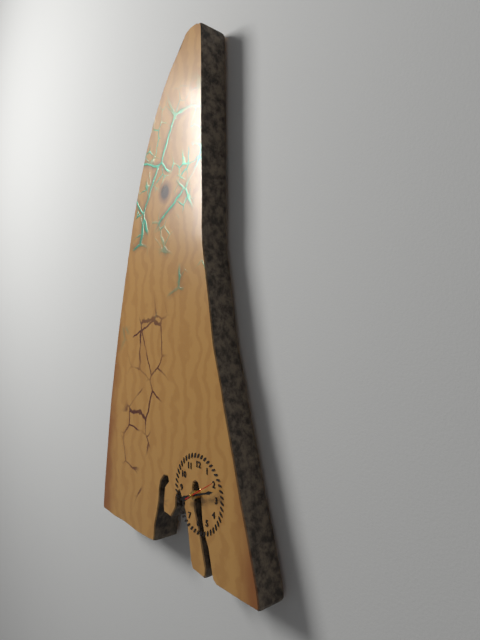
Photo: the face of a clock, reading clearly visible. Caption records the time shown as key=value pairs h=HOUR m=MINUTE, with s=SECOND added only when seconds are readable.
h=8 m=12
